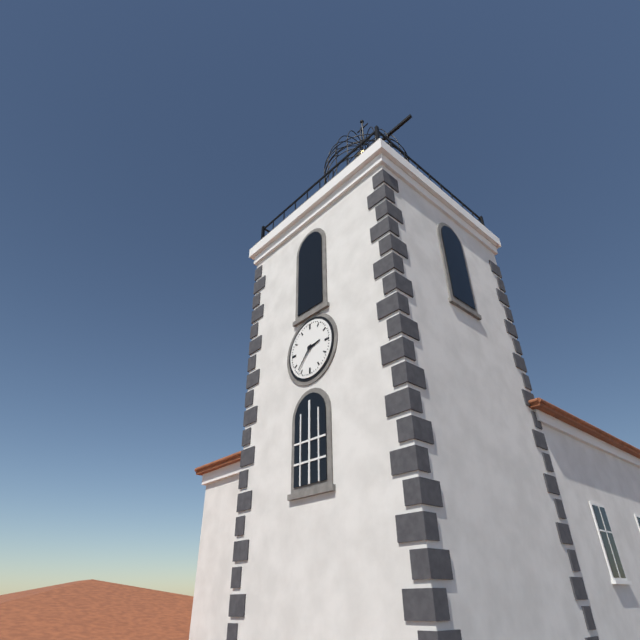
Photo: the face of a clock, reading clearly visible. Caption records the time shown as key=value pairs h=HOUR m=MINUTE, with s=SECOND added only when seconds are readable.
h=2 m=37
